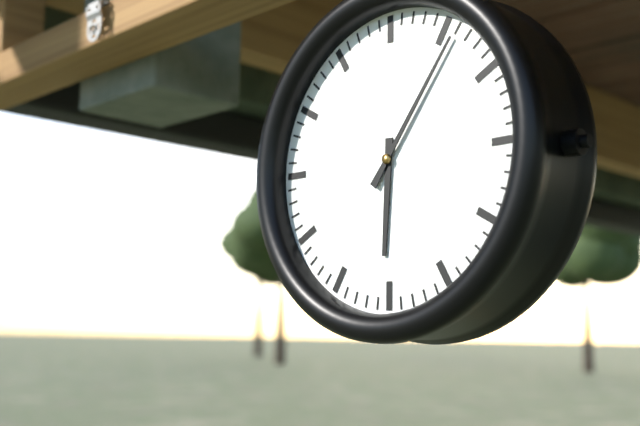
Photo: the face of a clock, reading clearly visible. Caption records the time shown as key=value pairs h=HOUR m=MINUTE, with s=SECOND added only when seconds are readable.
h=6 m=6
